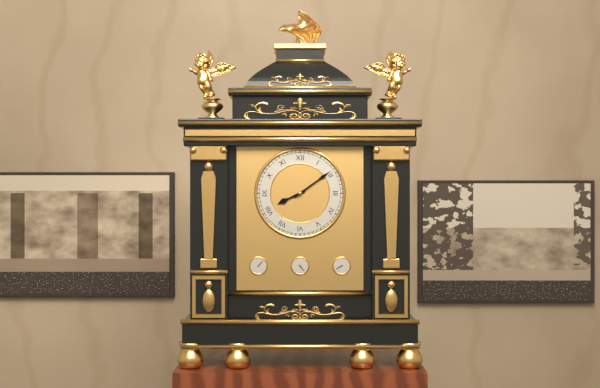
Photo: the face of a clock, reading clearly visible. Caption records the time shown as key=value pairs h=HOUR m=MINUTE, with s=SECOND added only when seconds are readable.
h=8 m=9
